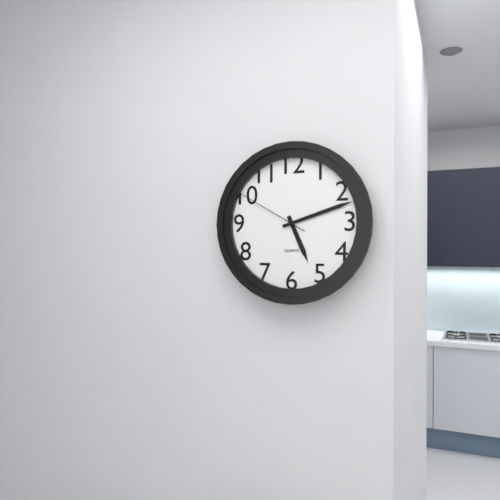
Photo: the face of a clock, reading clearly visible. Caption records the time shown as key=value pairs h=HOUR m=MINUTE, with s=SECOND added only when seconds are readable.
h=5 m=12 s=50
